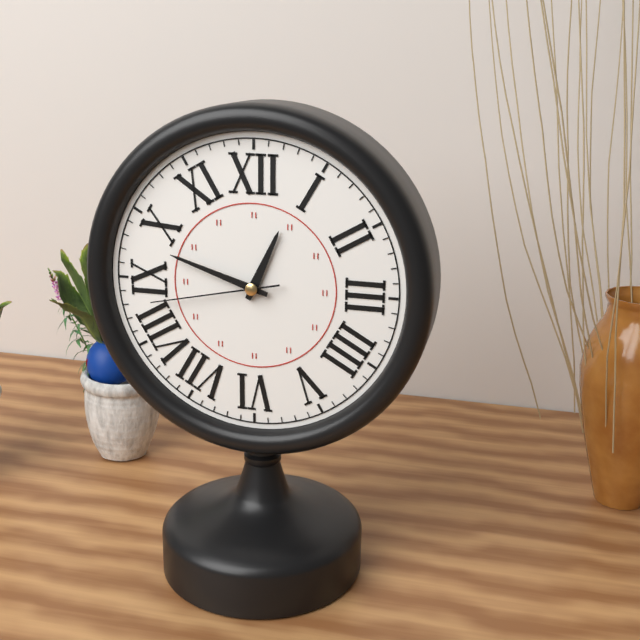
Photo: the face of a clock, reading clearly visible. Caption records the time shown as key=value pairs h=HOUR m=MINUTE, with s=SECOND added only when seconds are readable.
h=12 m=48 s=43
